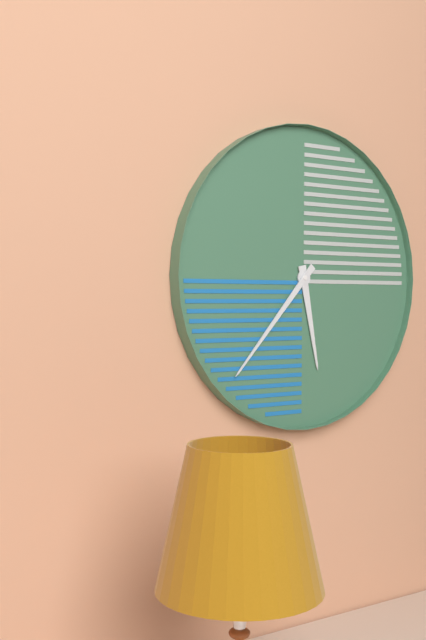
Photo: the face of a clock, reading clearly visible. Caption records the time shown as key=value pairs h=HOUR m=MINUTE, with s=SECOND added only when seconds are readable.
h=5 m=37
